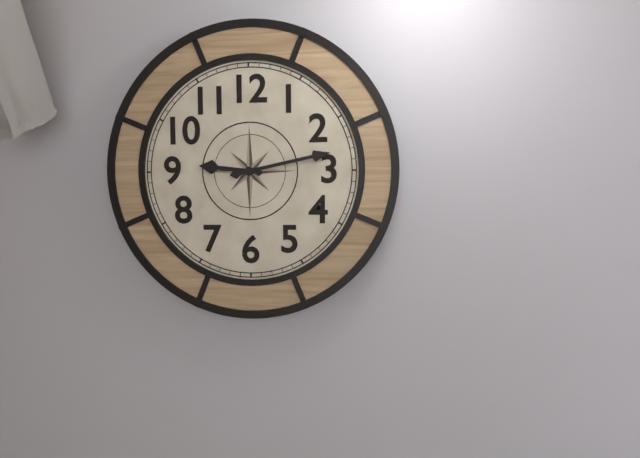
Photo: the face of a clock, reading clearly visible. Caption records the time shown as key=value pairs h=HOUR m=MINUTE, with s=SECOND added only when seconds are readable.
h=9 m=13
